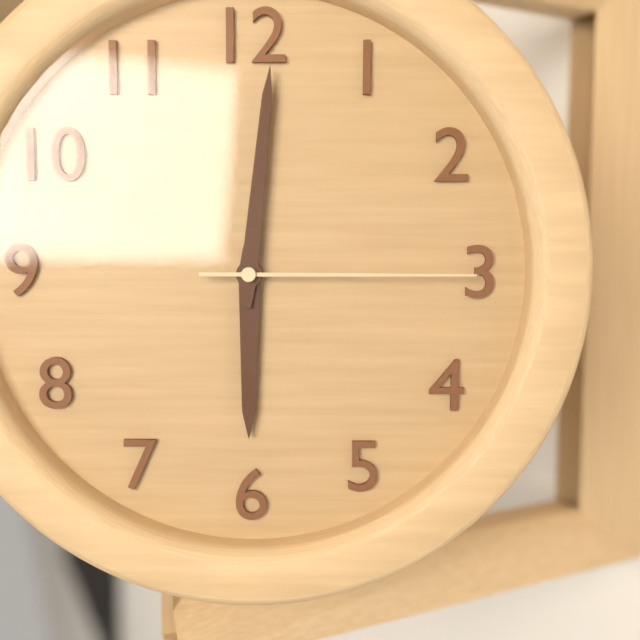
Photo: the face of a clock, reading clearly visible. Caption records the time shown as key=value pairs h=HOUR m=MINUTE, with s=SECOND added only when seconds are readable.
h=6 m=1 s=15
